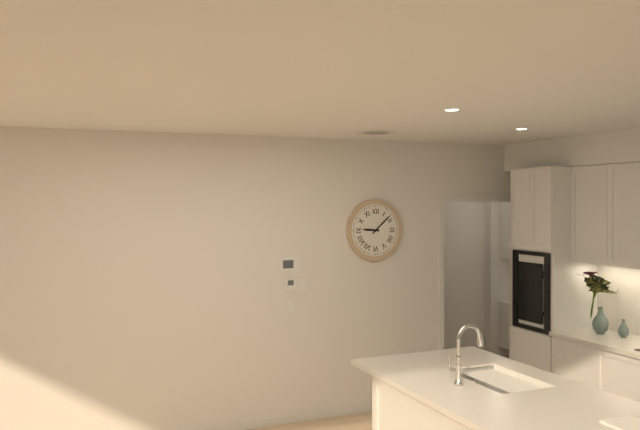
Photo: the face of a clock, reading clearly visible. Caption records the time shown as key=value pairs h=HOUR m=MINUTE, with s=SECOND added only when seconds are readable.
h=9 m=8
